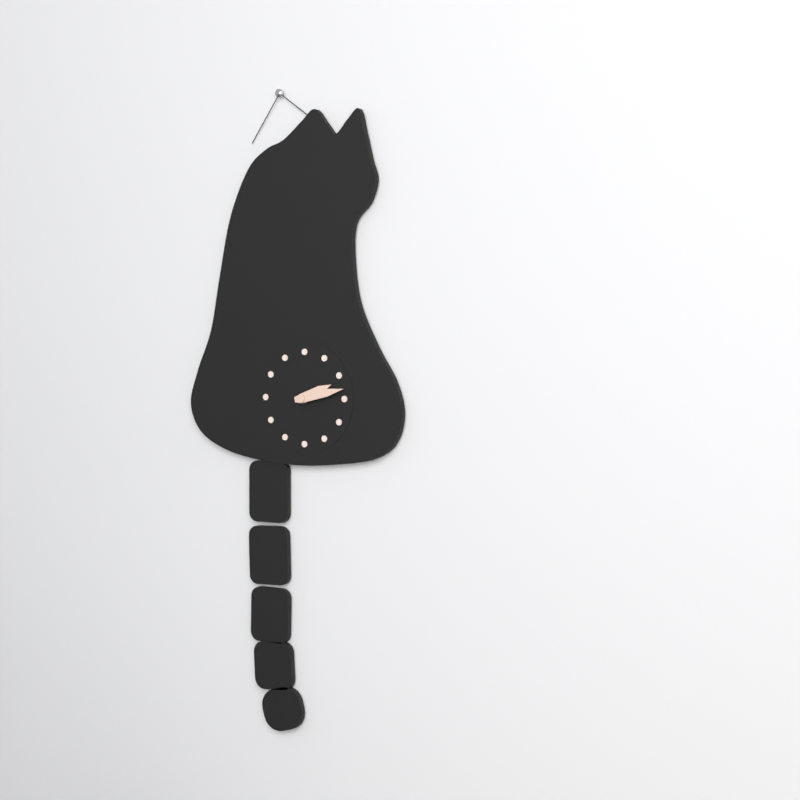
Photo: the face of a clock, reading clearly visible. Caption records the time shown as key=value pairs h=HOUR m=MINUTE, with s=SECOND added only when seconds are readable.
h=2 m=13
